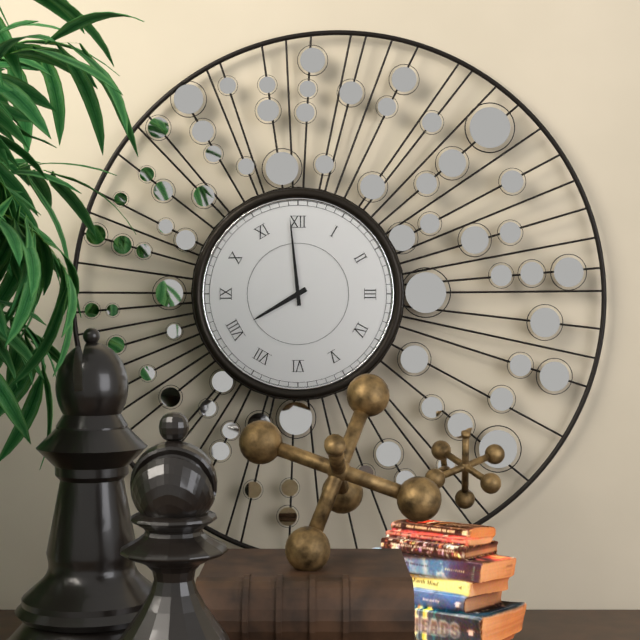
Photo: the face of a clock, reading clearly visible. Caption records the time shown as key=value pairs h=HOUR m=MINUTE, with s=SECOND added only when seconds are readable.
h=7 m=59
